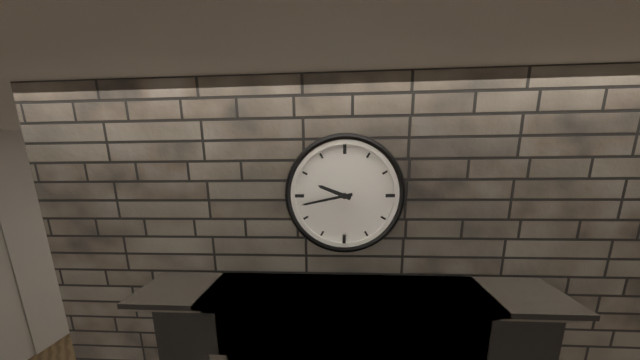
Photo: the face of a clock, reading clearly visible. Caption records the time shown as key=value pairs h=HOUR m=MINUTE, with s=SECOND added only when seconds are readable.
h=9 m=43
